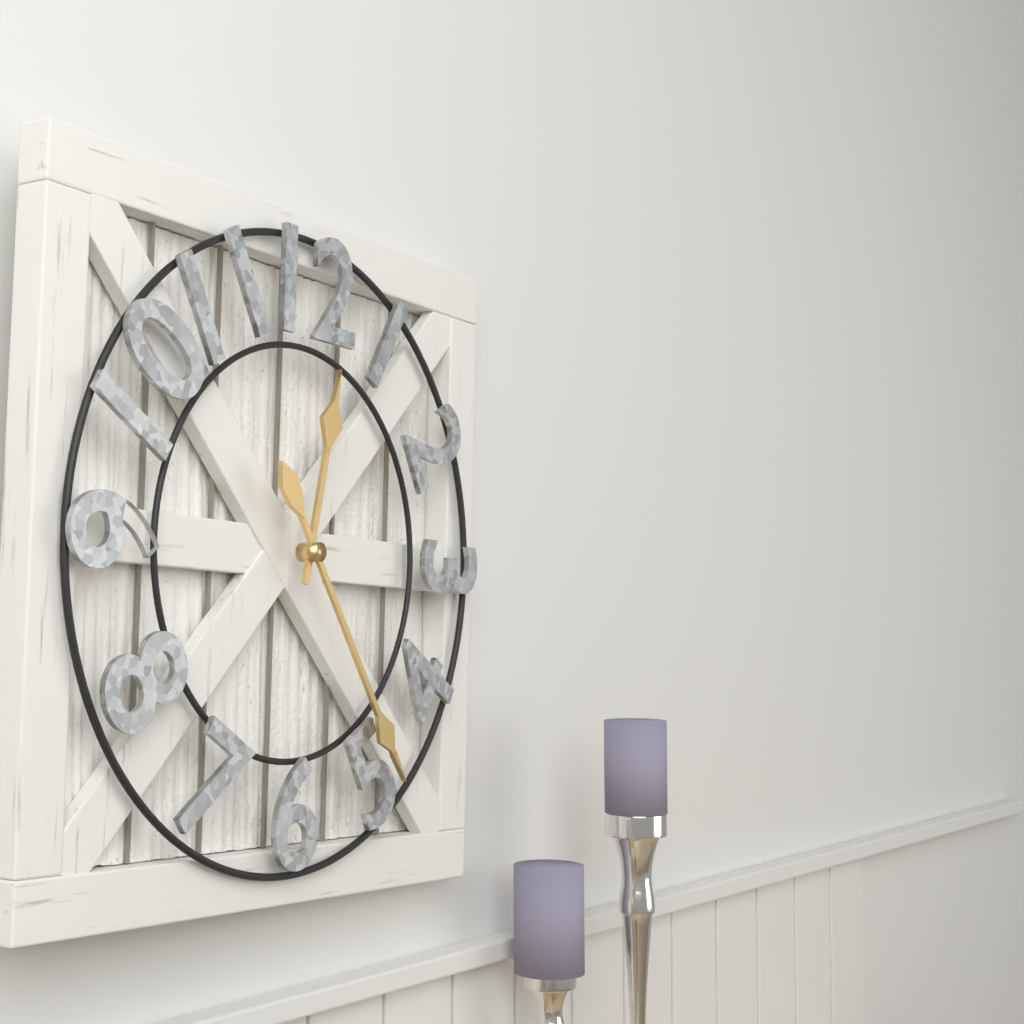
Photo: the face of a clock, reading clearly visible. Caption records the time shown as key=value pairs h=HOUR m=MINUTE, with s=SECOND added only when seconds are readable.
h=12 m=24
